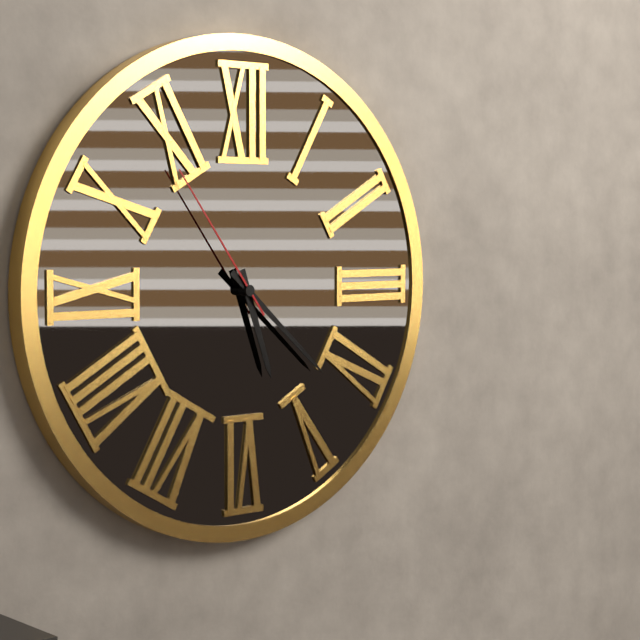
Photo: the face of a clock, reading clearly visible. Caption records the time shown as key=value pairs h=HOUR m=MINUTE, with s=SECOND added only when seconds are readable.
h=5 m=22 s=54
